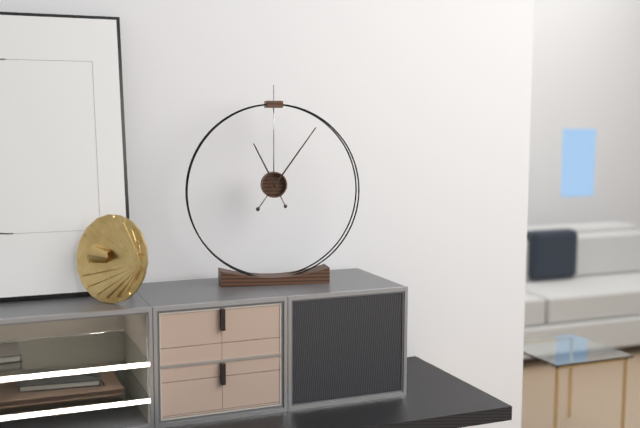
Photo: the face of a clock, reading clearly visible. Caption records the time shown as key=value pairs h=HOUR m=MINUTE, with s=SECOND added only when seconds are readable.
h=11 m=6
